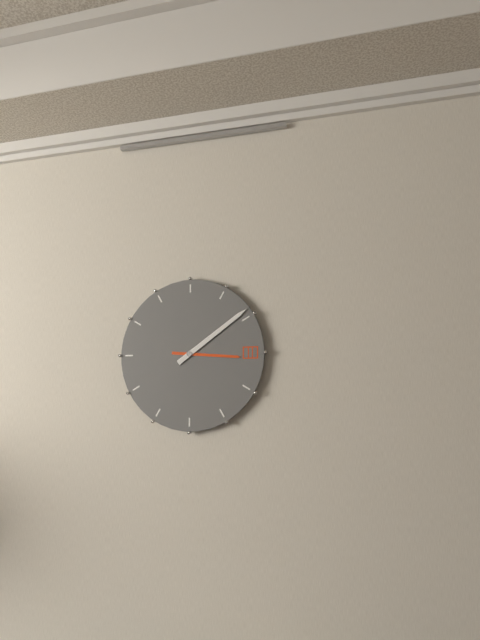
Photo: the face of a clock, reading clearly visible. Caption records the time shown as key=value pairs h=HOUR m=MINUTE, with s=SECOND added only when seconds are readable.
h=3 m=9
